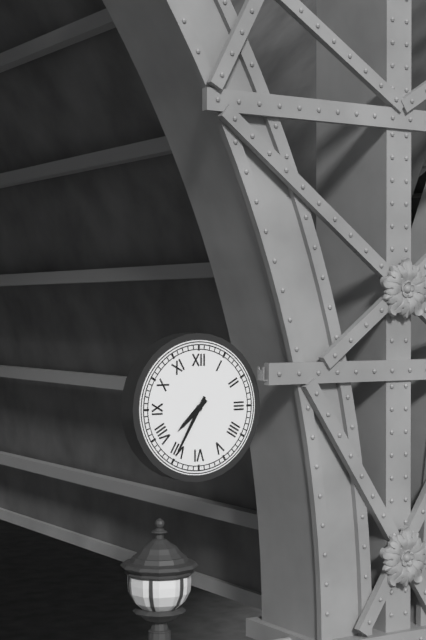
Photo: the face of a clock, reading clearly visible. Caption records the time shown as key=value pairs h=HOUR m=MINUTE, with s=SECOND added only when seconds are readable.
h=7 m=35
